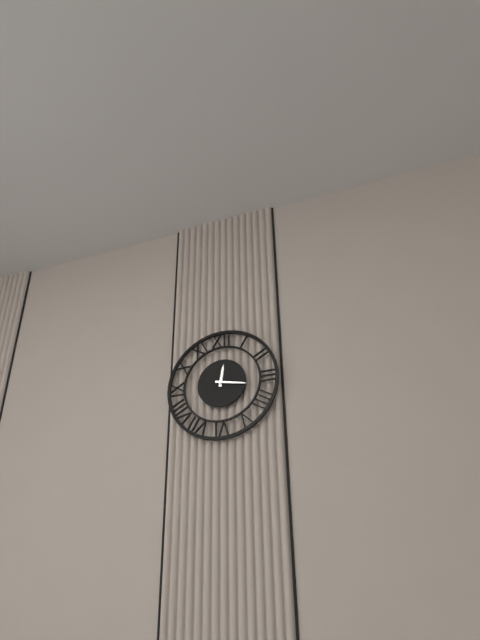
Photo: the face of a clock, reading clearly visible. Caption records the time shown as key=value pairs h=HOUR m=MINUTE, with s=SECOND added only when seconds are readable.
h=12 m=17
